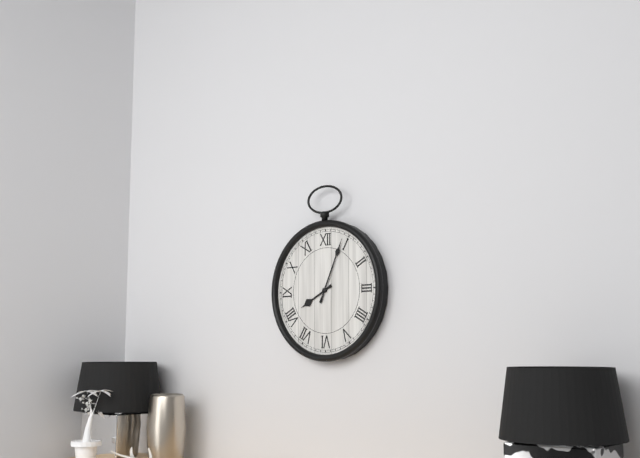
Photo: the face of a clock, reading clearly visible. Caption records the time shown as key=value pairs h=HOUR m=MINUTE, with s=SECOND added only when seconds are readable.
h=8 m=4
